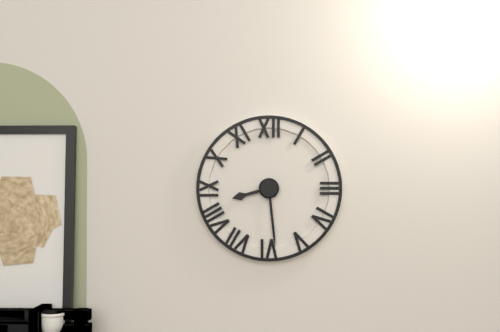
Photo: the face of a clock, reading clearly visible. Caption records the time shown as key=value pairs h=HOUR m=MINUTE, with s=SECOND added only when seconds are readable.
h=8 m=29
